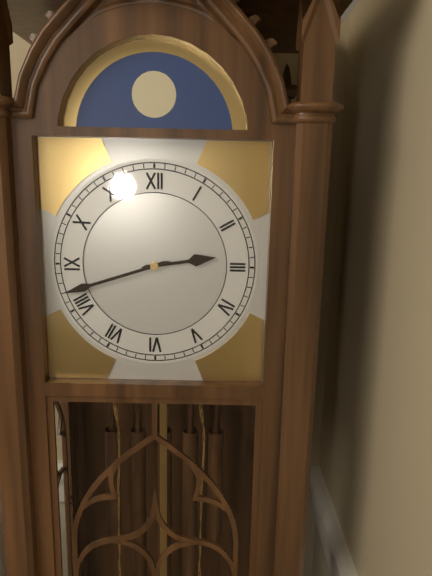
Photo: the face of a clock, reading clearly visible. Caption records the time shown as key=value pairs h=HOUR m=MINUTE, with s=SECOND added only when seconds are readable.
h=2 m=42
